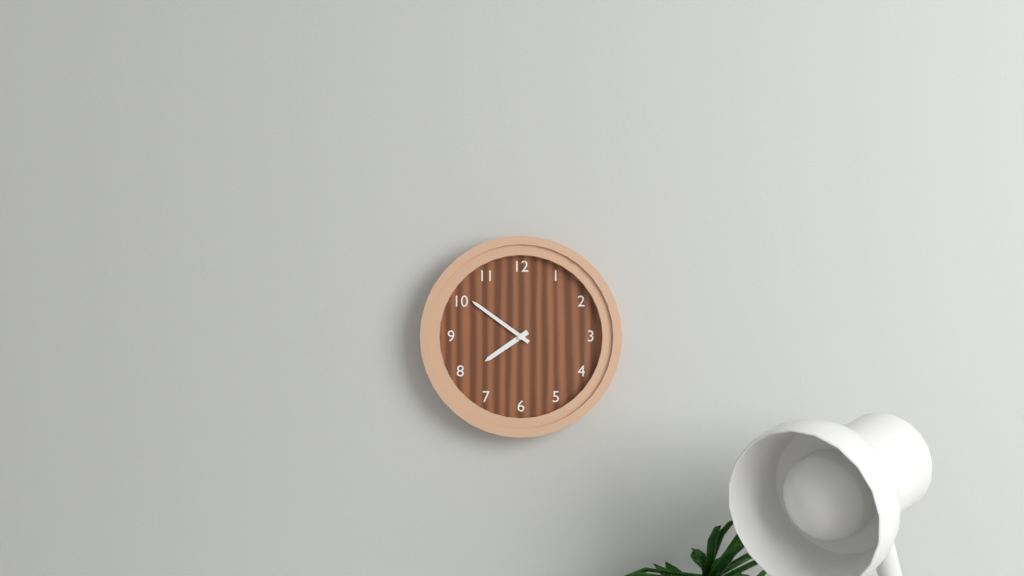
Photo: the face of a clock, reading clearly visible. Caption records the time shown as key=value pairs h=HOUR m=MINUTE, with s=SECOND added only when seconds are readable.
h=7 m=51
